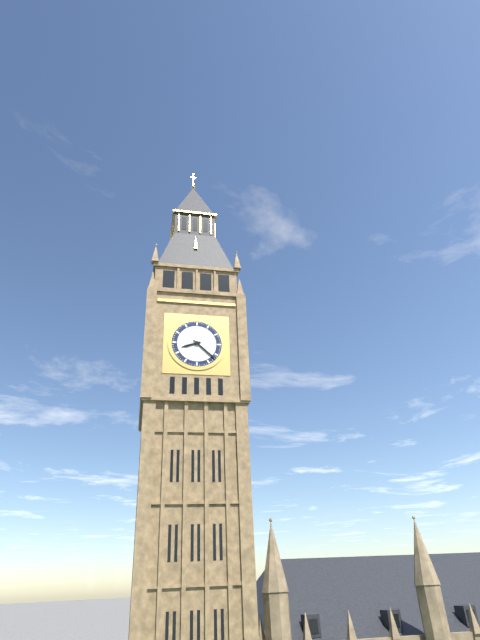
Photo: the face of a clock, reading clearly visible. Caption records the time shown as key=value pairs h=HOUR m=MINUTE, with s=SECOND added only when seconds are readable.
h=8 m=22
